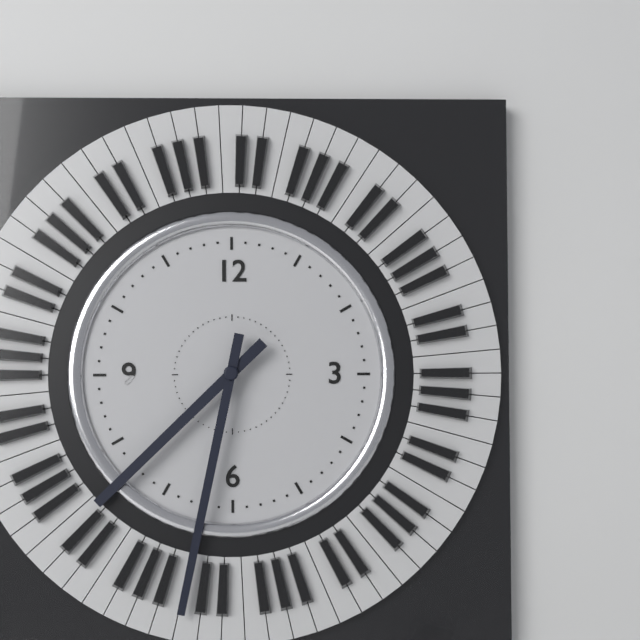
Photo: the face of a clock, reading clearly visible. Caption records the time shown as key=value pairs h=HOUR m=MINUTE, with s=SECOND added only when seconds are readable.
h=7 m=32
